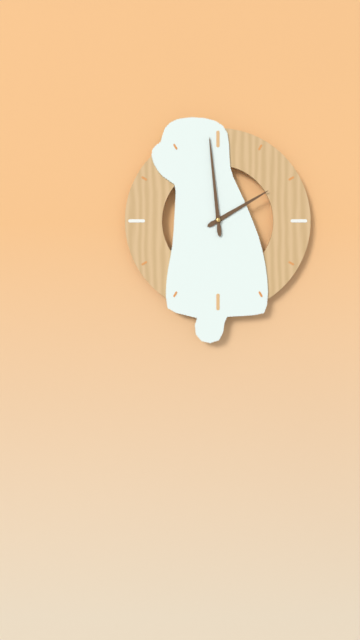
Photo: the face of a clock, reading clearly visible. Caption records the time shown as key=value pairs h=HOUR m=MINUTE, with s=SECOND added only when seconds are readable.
h=1 m=59
